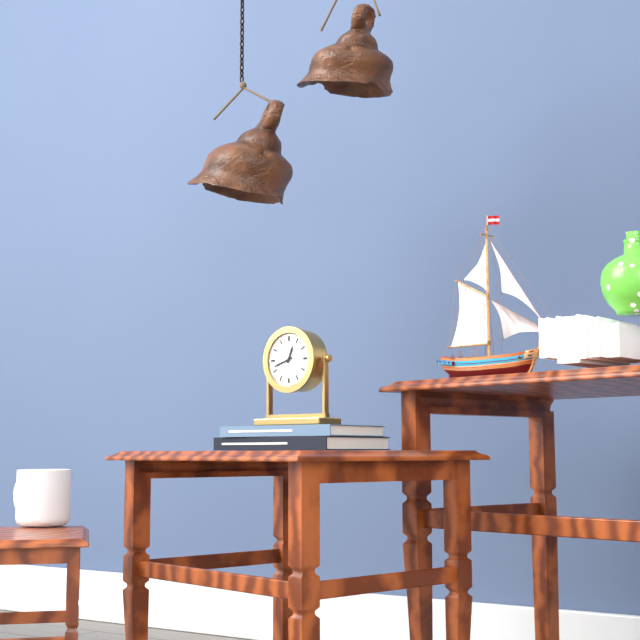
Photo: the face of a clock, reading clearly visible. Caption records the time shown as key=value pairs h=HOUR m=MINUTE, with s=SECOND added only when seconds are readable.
h=12 m=42
